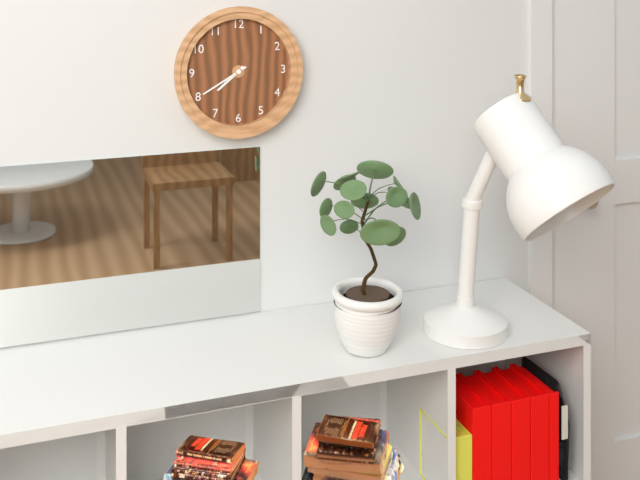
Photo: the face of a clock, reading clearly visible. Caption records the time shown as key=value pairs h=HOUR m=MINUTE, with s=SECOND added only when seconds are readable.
h=7 m=40
